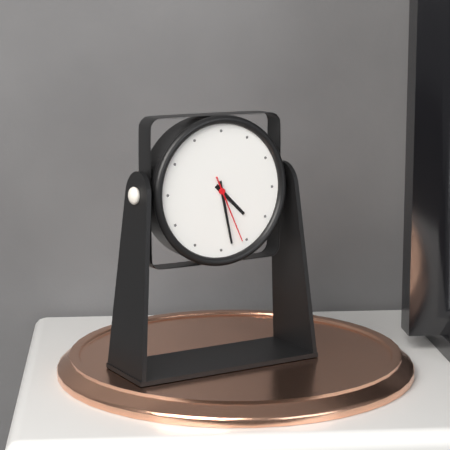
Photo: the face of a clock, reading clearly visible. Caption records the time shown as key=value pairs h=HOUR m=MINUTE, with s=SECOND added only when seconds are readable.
h=4 m=28 s=26
